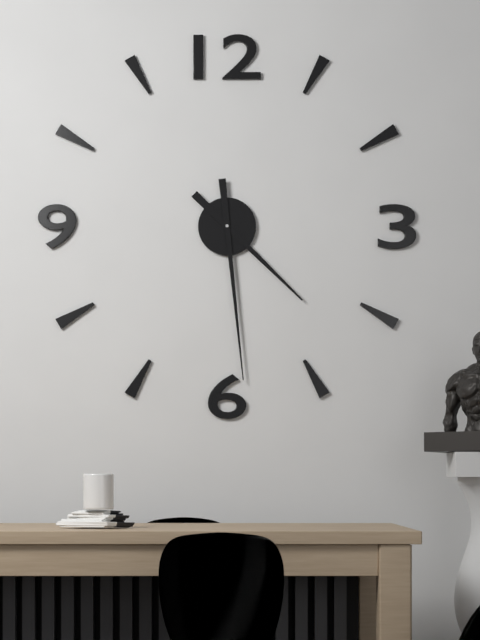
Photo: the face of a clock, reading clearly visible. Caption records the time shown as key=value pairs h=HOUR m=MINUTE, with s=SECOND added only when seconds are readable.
h=4 m=29
